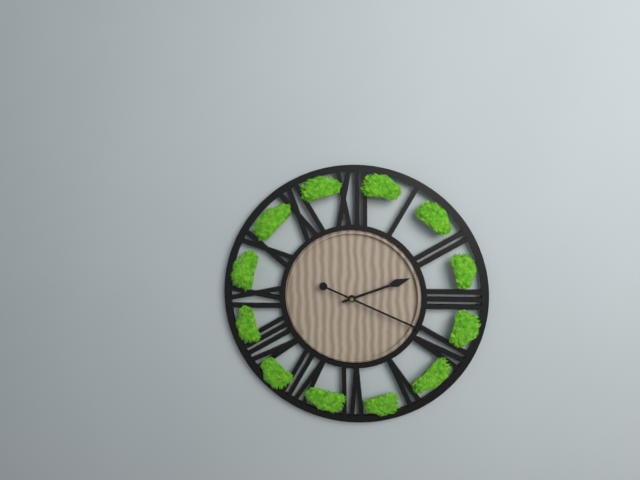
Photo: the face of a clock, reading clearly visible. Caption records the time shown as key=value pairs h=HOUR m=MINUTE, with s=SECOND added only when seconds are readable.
h=2 m=19
